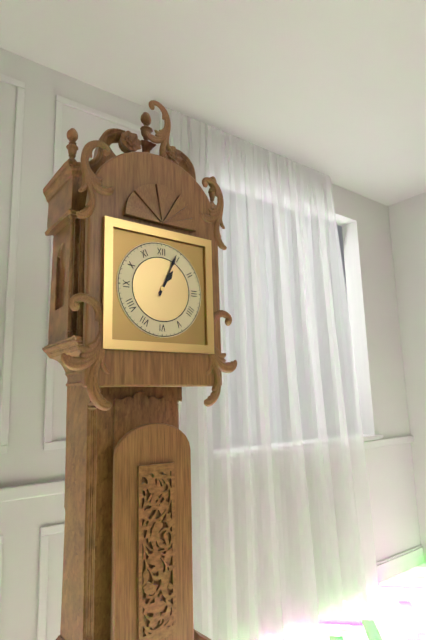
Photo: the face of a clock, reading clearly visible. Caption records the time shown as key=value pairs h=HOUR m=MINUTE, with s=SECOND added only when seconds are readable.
h=1 m=4
